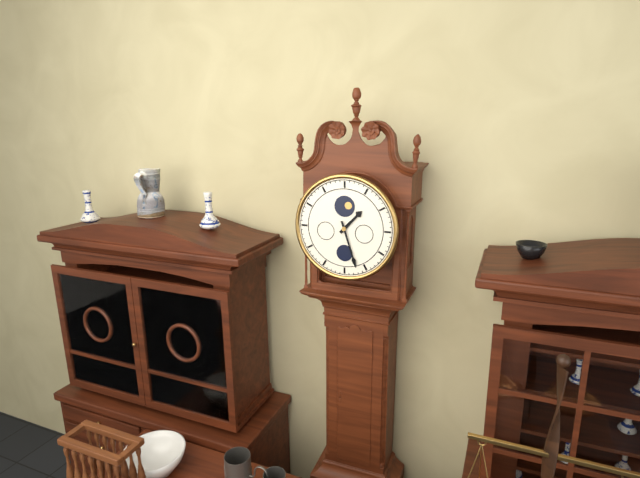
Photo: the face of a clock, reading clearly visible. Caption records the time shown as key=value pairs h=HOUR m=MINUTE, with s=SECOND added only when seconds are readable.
h=1 m=27
